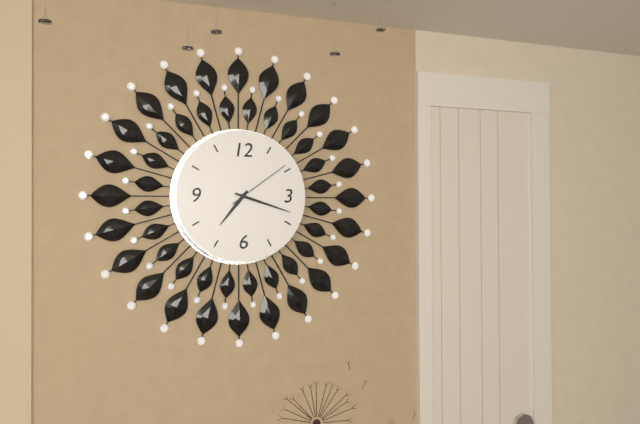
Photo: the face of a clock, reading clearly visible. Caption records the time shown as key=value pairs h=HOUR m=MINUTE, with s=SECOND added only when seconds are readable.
h=7 m=18 s=9
